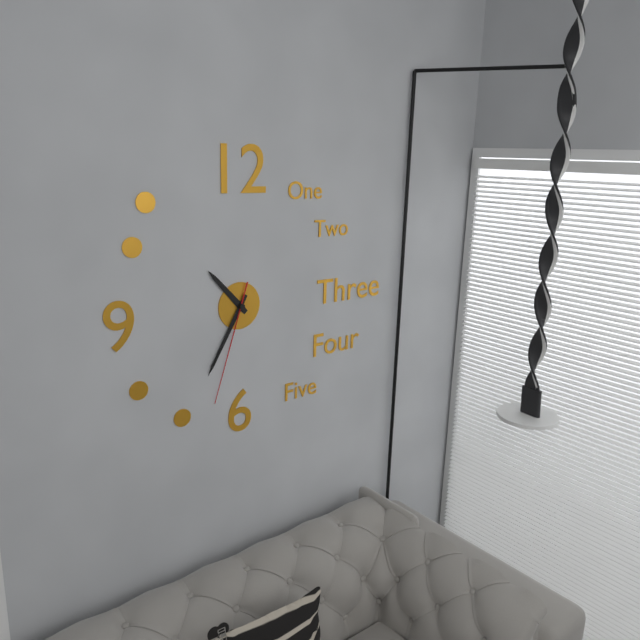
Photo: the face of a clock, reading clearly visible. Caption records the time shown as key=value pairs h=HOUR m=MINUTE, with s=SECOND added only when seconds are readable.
h=10 m=35 s=33
